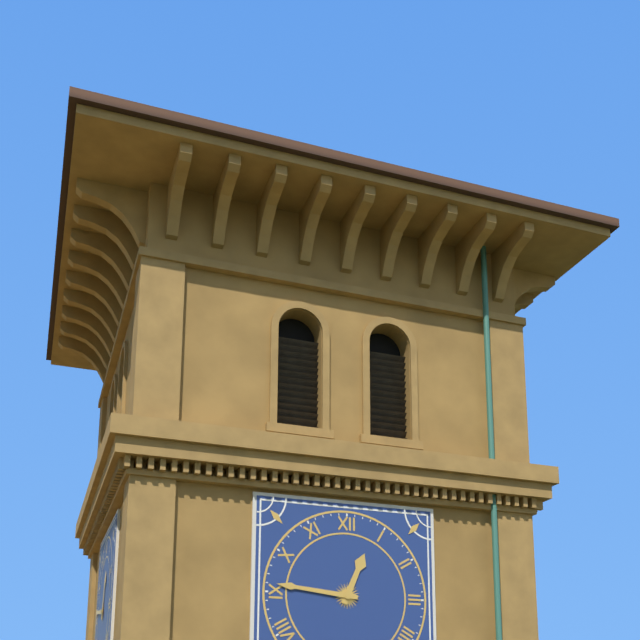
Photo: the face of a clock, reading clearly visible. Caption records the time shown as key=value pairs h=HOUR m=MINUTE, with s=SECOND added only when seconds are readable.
h=12 m=46
